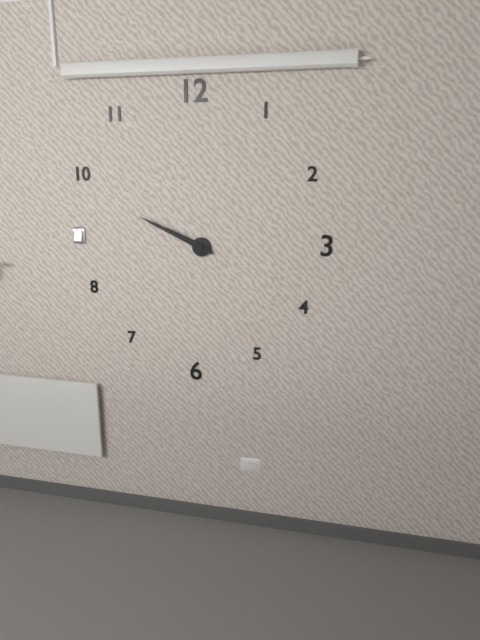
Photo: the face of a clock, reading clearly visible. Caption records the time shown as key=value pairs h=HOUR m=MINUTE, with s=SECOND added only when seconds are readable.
h=9 m=49
